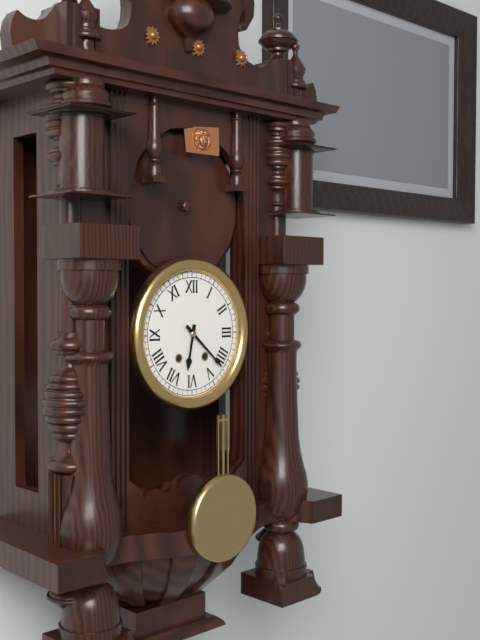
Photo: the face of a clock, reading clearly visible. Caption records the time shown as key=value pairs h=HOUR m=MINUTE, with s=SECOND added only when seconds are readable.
h=6 m=22
